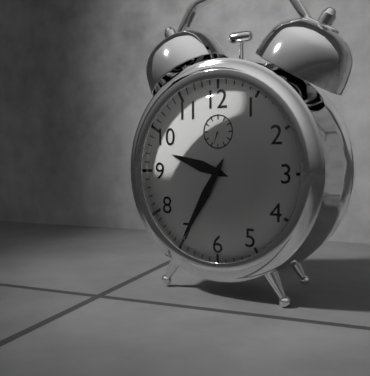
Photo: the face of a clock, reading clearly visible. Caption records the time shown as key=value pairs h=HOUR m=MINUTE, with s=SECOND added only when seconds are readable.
h=9 m=35
